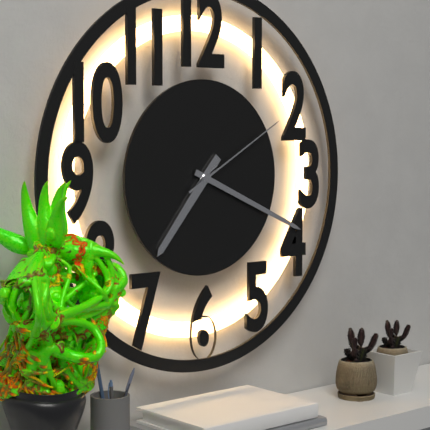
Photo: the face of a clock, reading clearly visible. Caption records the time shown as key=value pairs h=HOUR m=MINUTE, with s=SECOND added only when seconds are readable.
h=7 m=19 s=10
